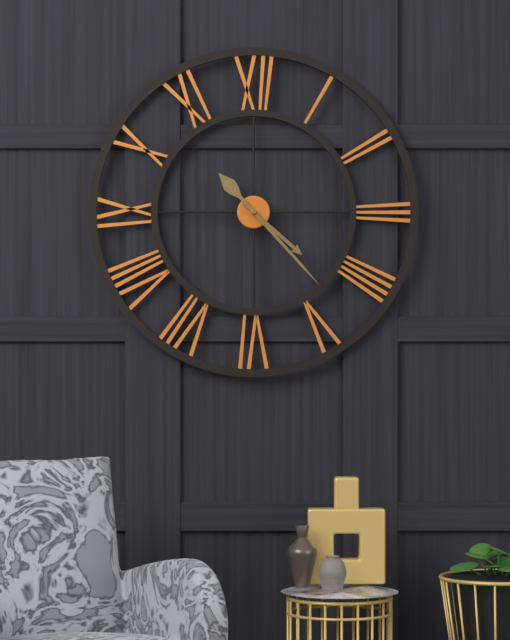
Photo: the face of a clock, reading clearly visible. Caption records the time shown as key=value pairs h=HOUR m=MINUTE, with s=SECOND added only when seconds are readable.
h=4 m=23
